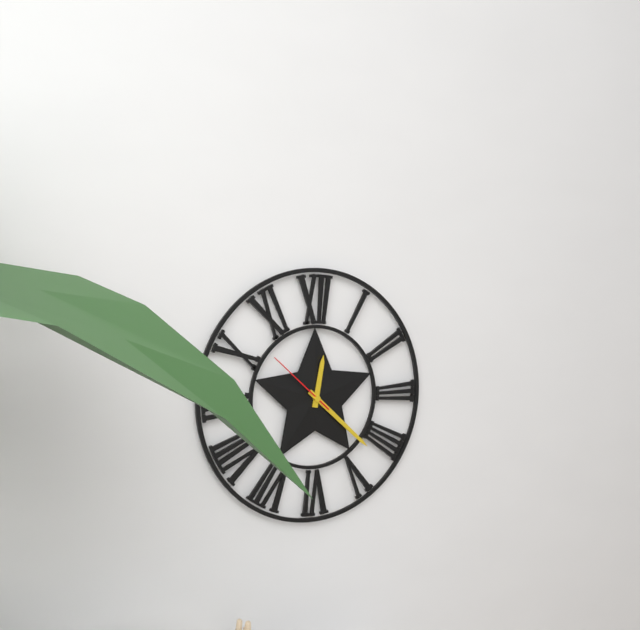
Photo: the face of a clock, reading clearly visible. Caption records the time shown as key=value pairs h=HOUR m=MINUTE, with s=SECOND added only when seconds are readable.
h=12 m=22 s=52
